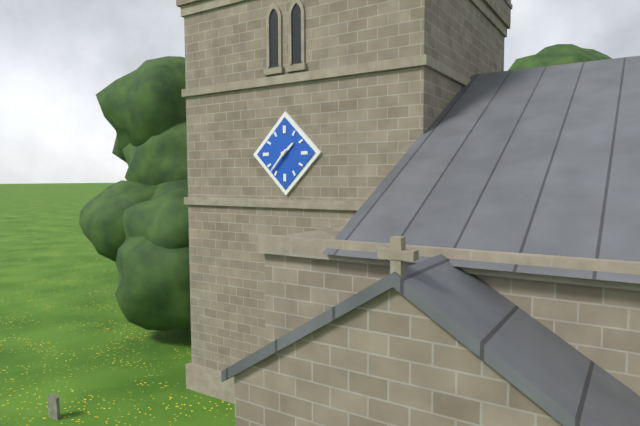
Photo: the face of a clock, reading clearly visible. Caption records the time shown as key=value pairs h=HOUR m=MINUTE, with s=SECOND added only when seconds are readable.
h=1 m=37
